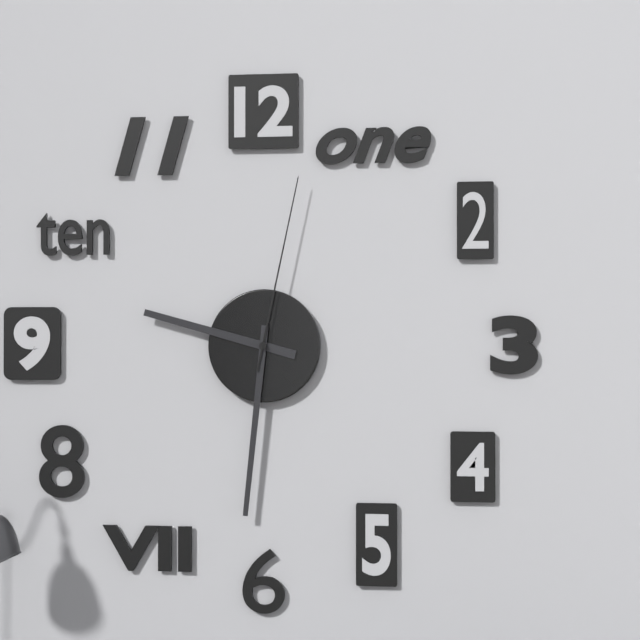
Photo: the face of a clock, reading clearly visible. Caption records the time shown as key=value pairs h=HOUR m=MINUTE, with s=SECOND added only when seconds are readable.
h=9 m=31 s=2
